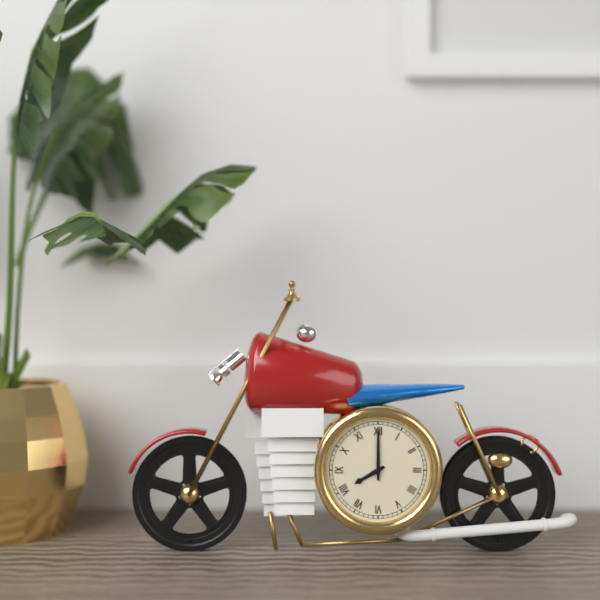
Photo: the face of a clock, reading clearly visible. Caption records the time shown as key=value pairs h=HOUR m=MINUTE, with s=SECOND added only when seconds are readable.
h=8 m=0
